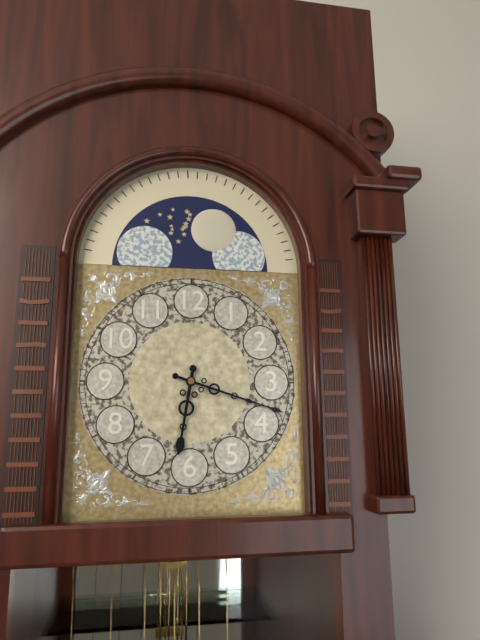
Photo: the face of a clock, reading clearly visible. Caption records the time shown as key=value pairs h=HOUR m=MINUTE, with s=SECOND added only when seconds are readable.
h=6 m=18
